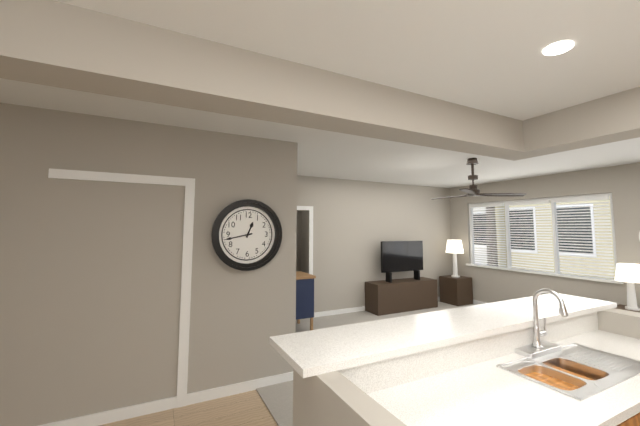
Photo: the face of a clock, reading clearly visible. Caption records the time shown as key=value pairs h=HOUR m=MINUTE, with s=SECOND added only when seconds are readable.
h=12 m=43
